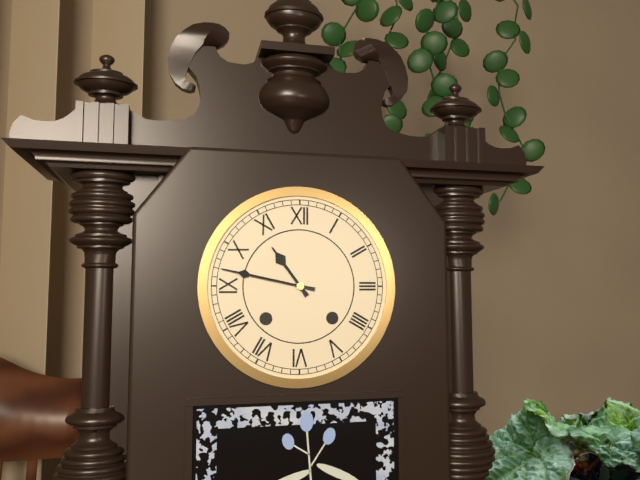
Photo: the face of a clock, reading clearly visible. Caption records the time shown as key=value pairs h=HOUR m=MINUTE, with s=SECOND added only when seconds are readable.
h=10 m=47
